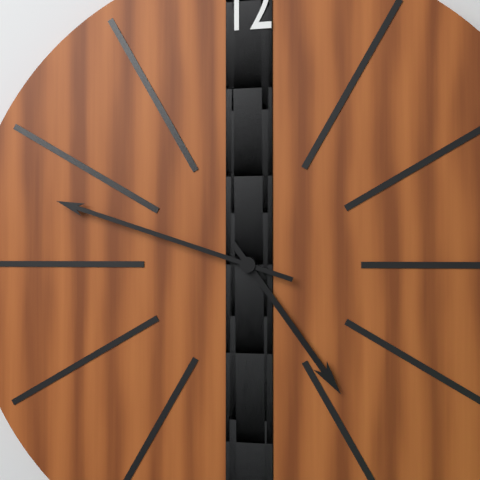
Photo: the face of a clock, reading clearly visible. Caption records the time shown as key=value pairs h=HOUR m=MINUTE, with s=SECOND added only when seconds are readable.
h=4 m=48
